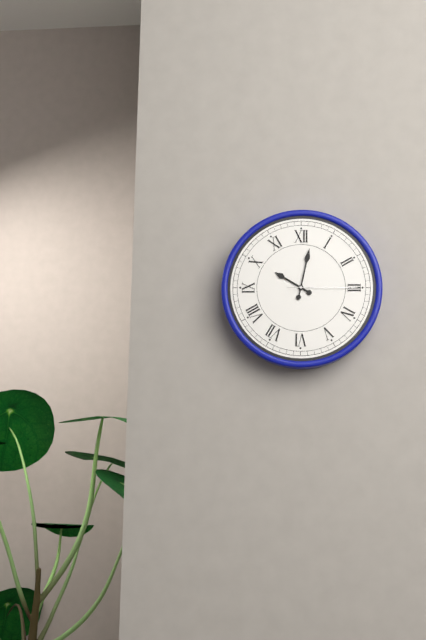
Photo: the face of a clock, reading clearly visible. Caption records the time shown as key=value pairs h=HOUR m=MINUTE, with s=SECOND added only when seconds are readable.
h=10 m=2 s=15
